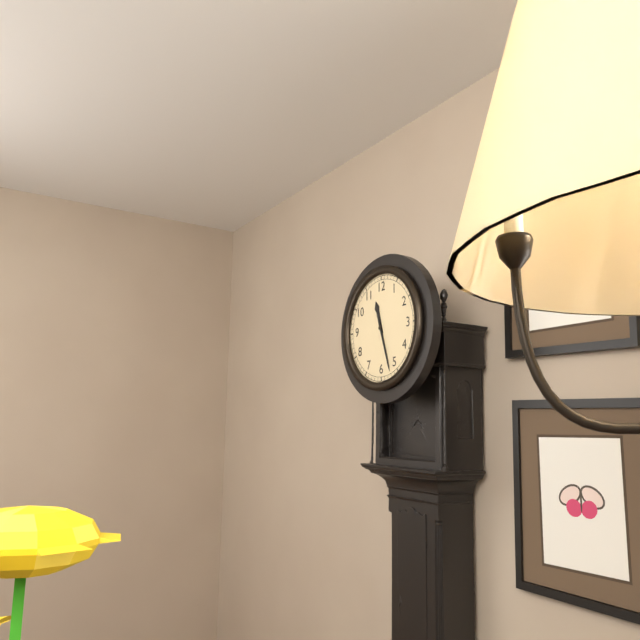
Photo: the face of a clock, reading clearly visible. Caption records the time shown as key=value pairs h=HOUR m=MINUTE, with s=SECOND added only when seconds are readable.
h=11 m=27
